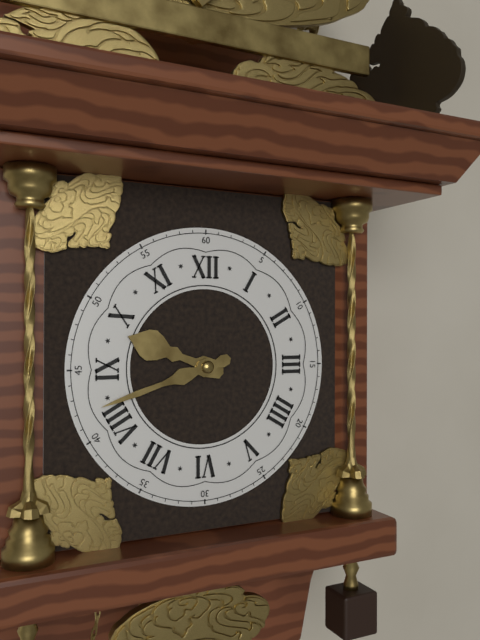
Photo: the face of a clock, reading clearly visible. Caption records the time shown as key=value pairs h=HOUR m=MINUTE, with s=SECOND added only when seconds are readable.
h=9 m=42
